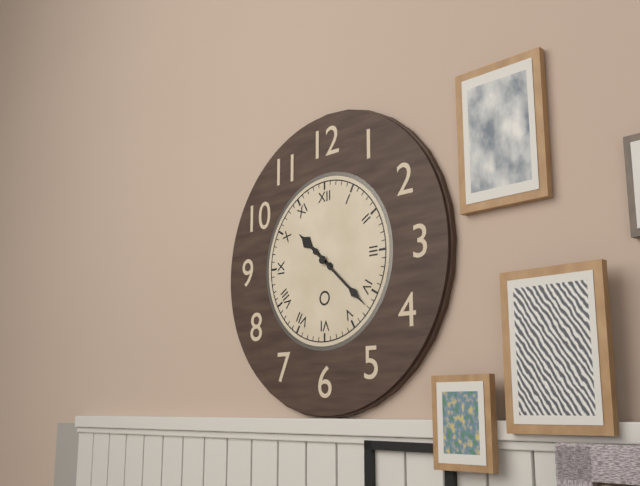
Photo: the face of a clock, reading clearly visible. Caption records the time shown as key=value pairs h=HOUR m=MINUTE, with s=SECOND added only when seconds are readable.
h=10 m=22
